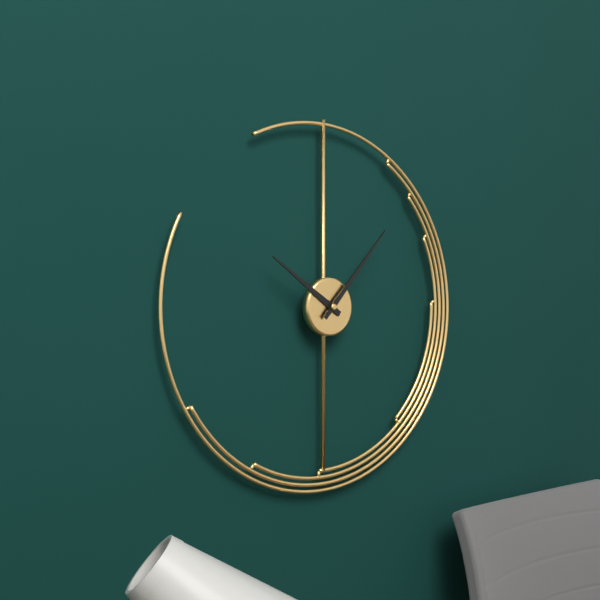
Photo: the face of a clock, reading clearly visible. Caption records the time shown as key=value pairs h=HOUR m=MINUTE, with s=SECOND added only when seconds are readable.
h=10 m=7
